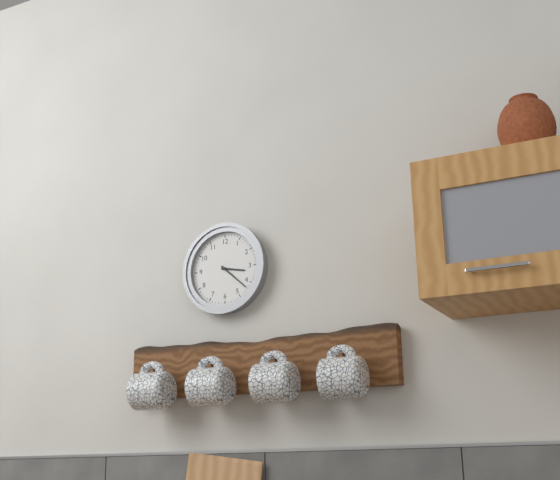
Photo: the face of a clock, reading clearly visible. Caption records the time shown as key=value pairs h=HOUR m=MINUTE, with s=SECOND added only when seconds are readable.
h=3 m=22
